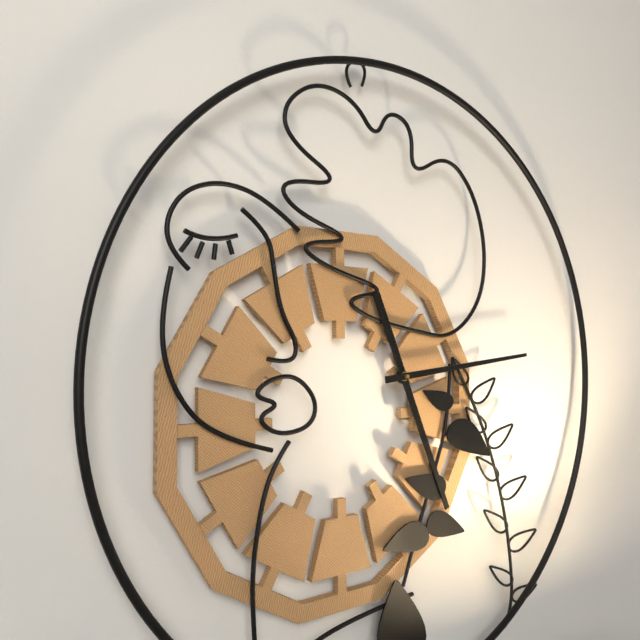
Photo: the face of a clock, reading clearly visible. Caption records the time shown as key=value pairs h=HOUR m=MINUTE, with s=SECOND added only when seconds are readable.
h=5 m=14
